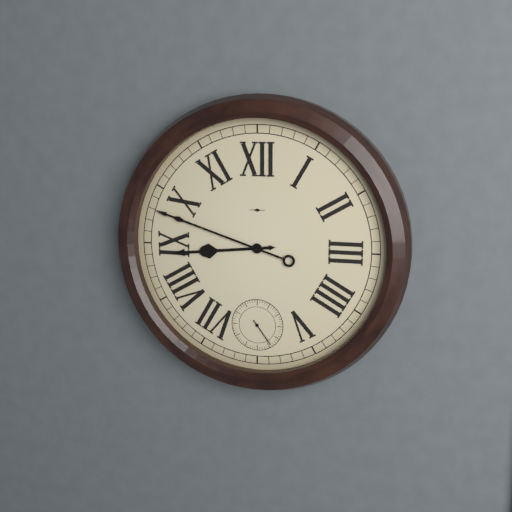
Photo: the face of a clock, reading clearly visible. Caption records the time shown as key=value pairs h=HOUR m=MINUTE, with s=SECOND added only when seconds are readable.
h=8 m=48
